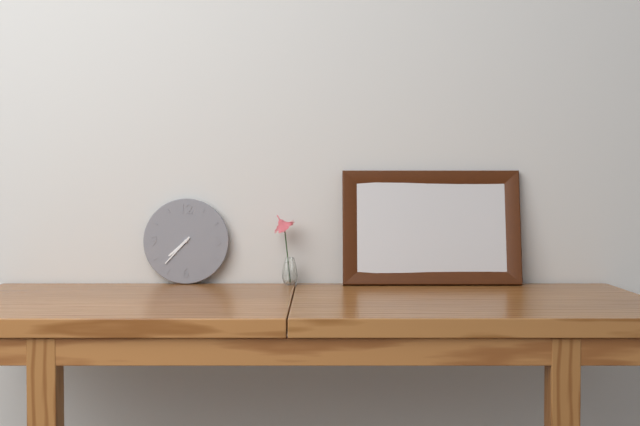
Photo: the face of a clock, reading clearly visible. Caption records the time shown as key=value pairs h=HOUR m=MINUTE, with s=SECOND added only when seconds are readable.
h=7 m=37
